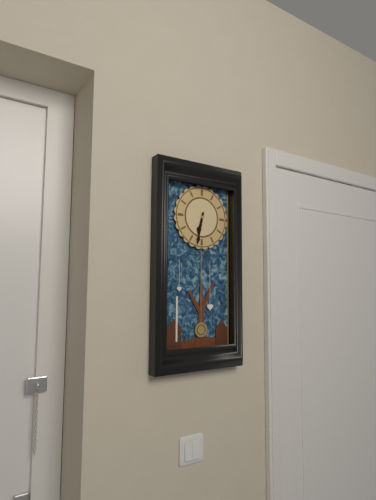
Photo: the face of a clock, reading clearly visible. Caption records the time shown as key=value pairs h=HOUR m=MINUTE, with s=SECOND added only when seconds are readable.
h=6 m=32
